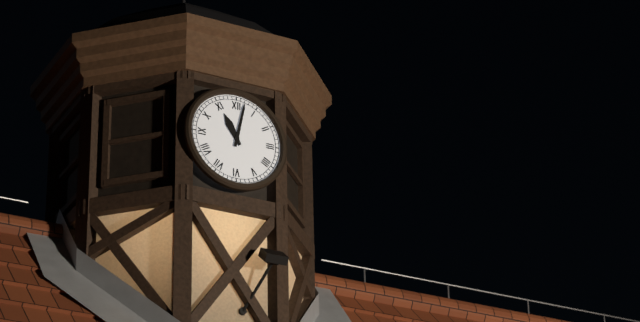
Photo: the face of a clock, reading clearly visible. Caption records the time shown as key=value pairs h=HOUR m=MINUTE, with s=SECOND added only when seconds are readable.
h=11 m=2
